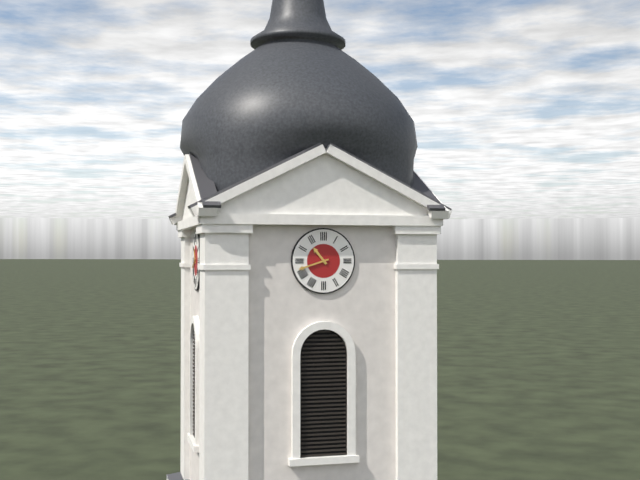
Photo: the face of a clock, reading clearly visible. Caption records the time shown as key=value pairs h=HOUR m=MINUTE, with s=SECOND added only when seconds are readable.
h=10 m=42
